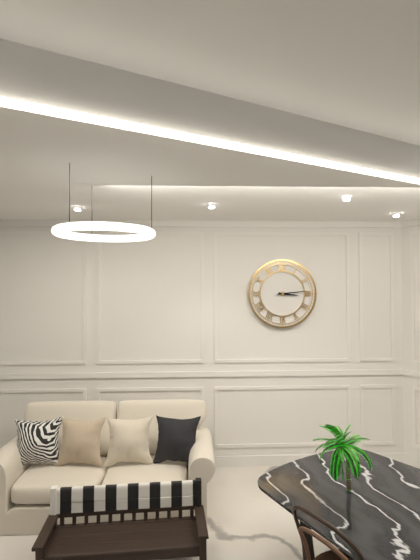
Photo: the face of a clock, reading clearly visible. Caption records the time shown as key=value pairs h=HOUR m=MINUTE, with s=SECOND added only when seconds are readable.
h=3 m=14
